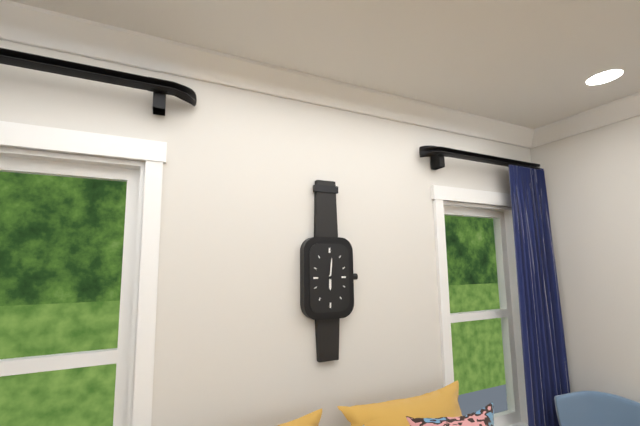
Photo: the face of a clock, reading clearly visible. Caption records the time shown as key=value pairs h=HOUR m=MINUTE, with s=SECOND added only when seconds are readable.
h=6 m=1
